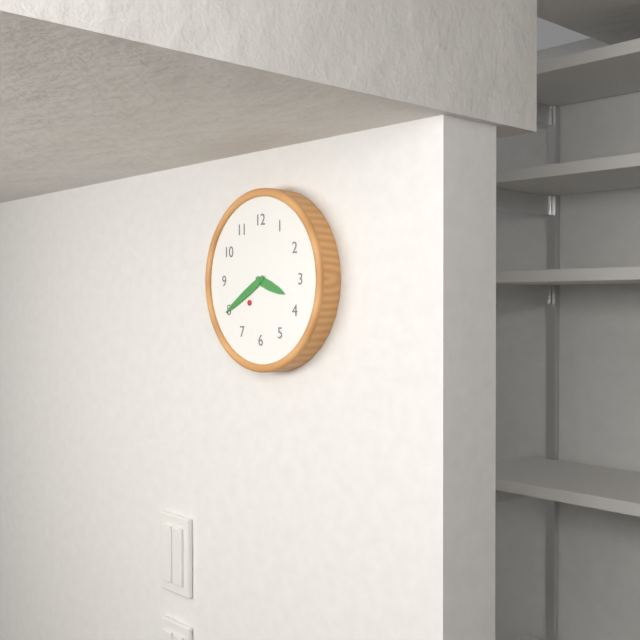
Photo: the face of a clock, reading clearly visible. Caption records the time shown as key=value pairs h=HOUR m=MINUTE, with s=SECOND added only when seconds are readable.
h=3 m=40
